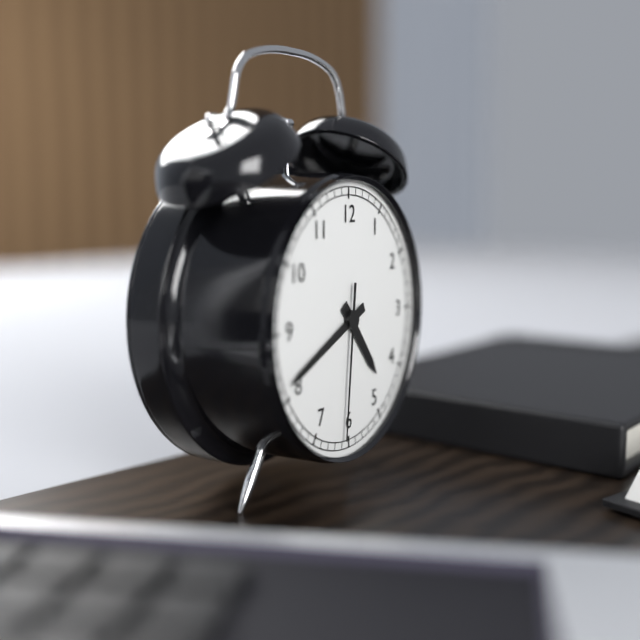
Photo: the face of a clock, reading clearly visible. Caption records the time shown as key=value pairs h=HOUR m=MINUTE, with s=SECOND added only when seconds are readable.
h=4 m=41 s=31
